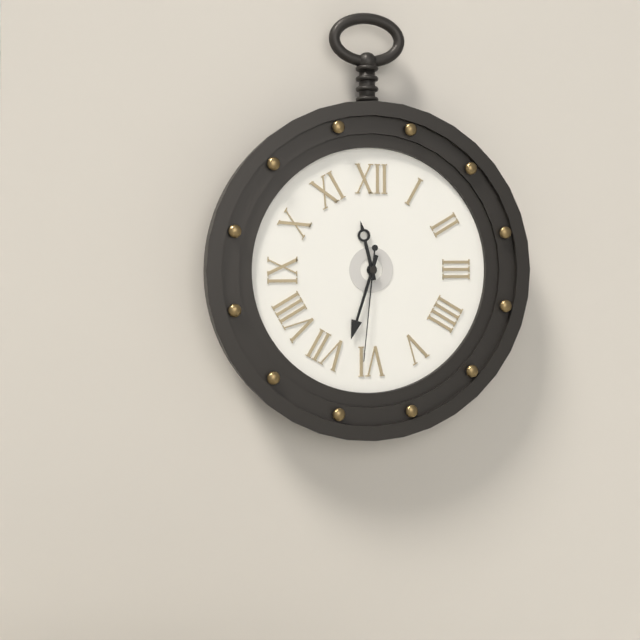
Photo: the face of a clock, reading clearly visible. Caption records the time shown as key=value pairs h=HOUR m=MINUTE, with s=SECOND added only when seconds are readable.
h=11 m=33 s=31
